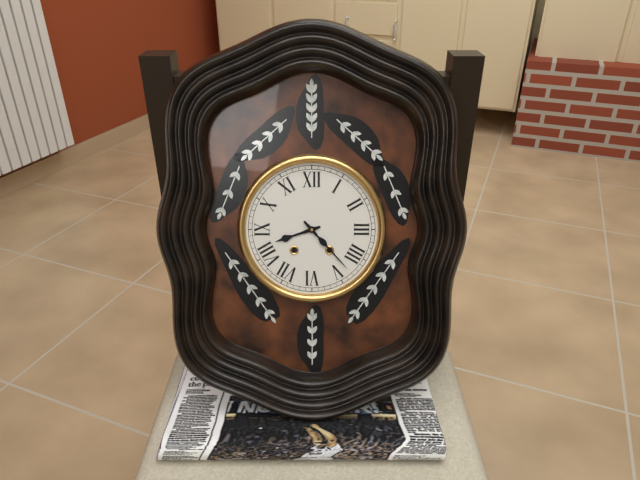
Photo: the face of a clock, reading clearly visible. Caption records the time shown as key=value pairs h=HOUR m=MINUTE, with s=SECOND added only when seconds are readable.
h=8 m=23
